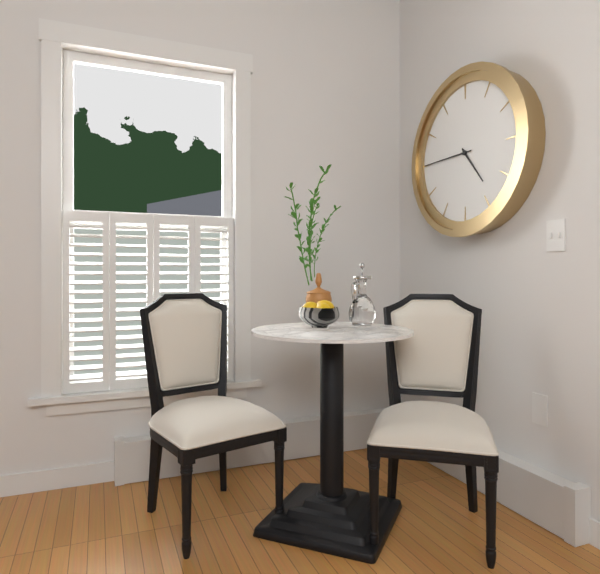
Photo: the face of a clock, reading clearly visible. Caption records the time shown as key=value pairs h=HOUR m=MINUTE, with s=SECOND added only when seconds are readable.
h=4 m=45
